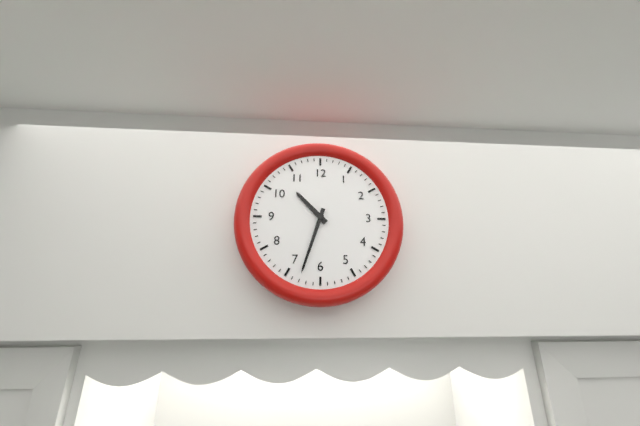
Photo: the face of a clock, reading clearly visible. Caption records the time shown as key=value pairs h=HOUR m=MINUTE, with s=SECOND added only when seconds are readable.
h=10 m=33
